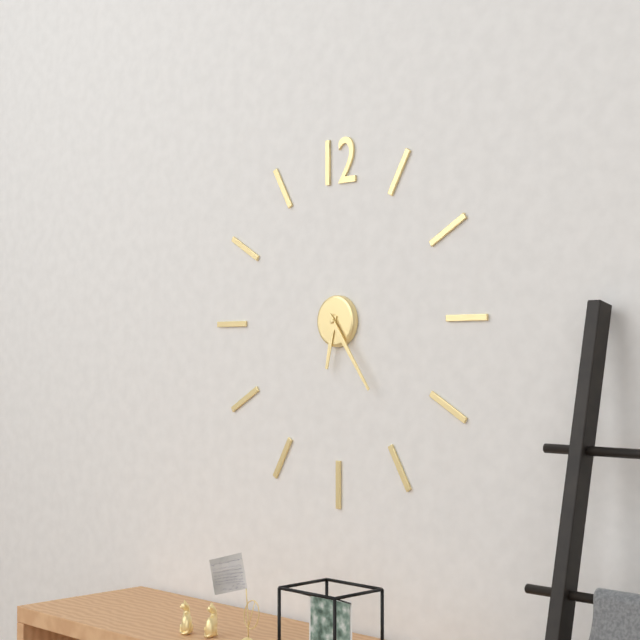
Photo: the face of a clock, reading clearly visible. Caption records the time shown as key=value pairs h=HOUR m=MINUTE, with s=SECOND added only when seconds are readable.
h=6 m=24
